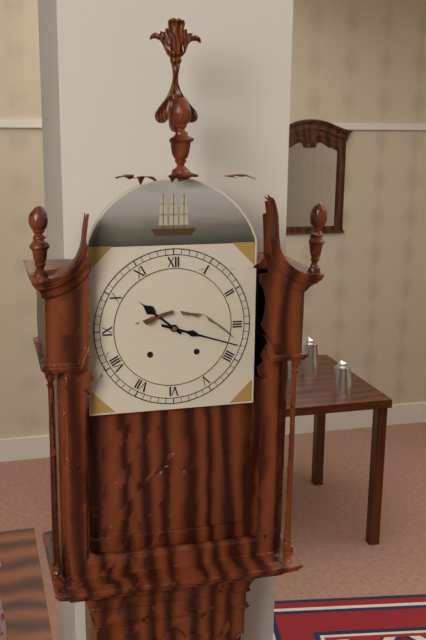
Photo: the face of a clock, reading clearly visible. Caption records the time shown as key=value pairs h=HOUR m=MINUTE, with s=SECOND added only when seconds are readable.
h=10 m=18
